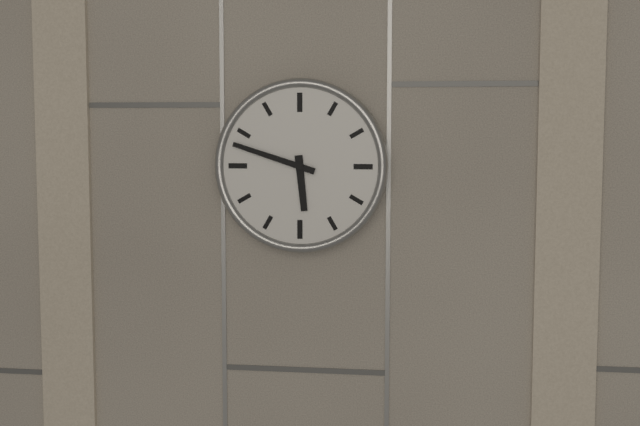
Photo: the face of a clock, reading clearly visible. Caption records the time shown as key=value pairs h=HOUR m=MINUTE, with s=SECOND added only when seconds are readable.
h=5 m=48
